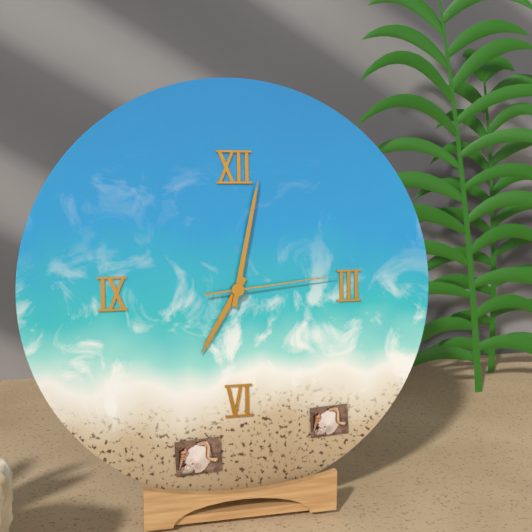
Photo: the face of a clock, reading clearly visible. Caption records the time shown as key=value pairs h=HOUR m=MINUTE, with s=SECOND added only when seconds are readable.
h=7 m=2 s=14
